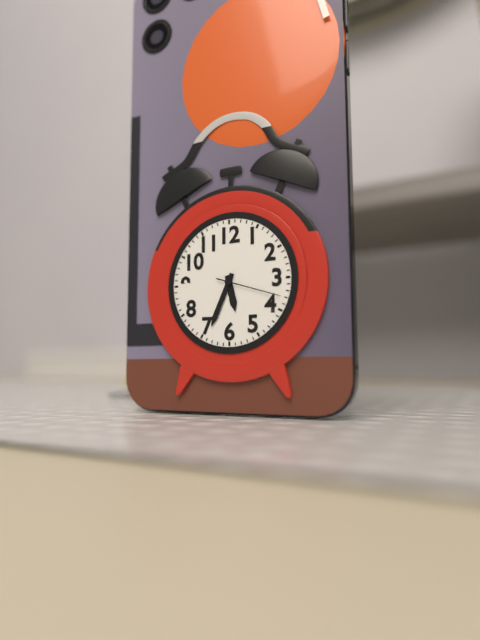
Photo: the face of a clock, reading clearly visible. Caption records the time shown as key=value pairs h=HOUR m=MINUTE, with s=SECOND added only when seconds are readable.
h=5 m=34 s=18
